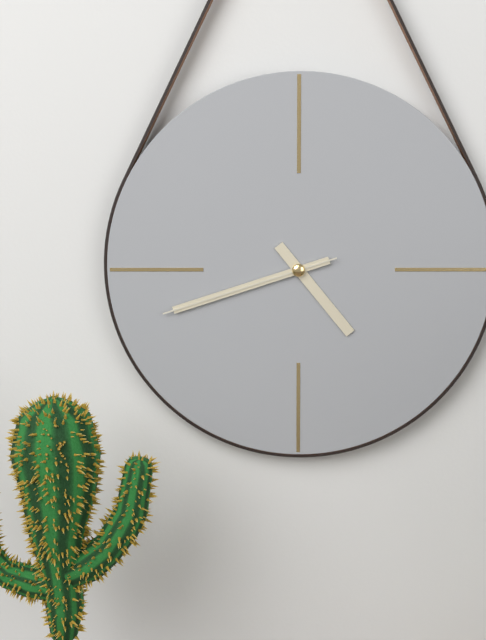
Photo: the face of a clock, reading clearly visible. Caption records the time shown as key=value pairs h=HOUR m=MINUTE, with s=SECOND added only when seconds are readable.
h=4 m=42 s=42
